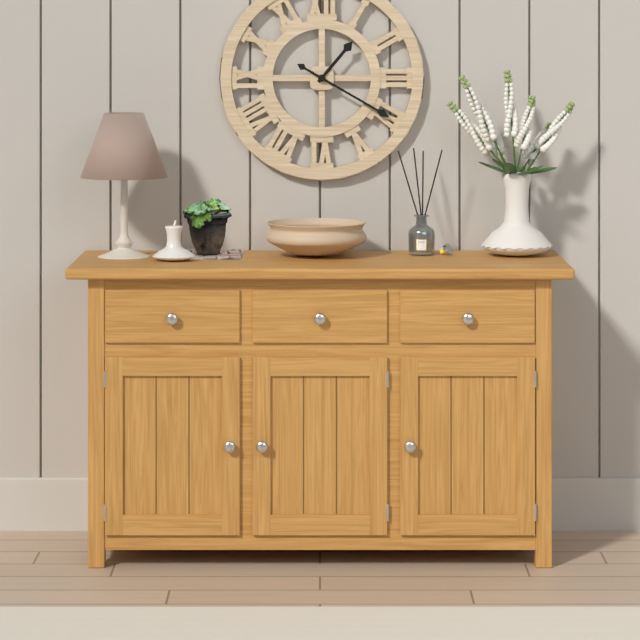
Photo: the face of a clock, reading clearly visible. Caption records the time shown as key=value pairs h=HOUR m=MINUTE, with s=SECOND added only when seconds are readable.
h=1 m=20
